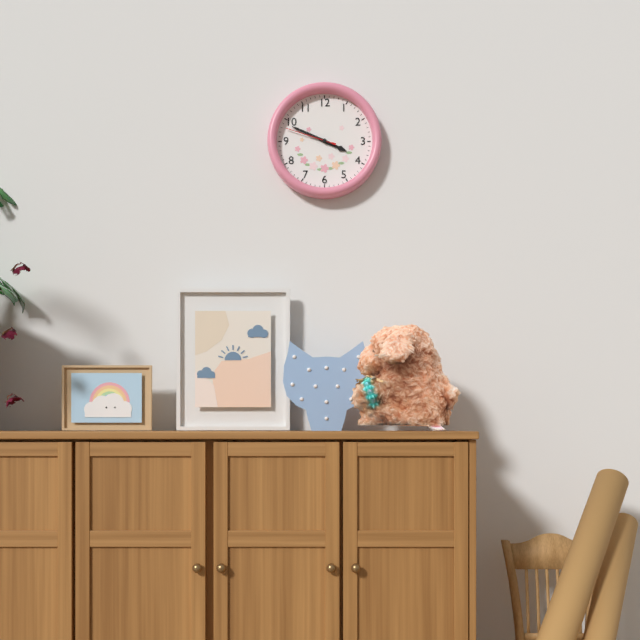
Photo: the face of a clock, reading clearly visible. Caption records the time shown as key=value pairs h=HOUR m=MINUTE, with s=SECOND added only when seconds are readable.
h=3 m=49 s=48
